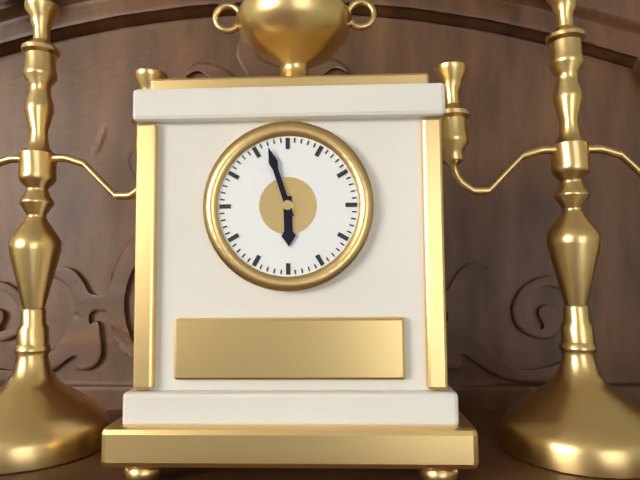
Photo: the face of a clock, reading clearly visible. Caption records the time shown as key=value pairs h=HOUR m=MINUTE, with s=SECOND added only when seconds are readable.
h=5 m=57
